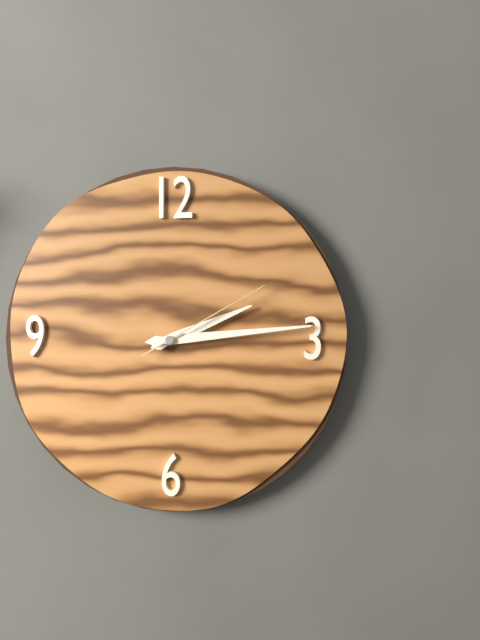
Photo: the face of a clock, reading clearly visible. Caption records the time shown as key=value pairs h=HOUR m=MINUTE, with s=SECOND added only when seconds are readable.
h=2 m=14 s=10
